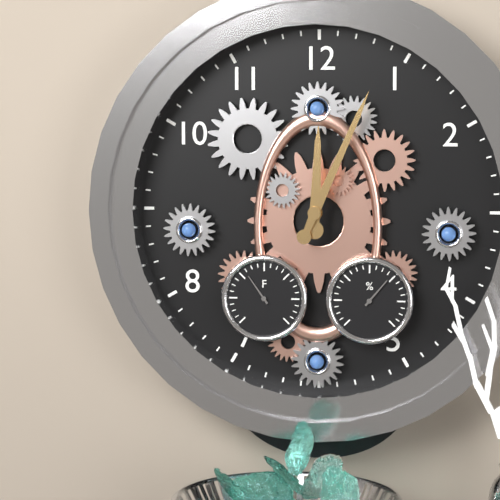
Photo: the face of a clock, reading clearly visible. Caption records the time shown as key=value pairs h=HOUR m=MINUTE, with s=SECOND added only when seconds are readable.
h=12 m=4
